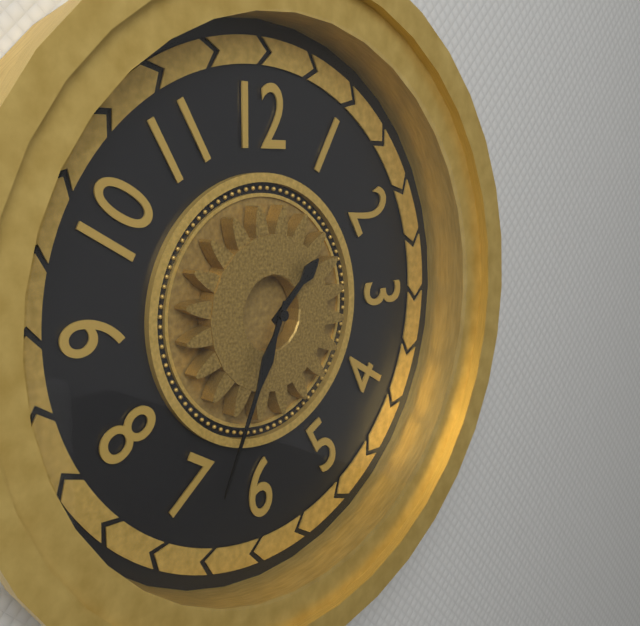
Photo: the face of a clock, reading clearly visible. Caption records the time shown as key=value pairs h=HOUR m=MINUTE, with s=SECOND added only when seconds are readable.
h=1 m=34
